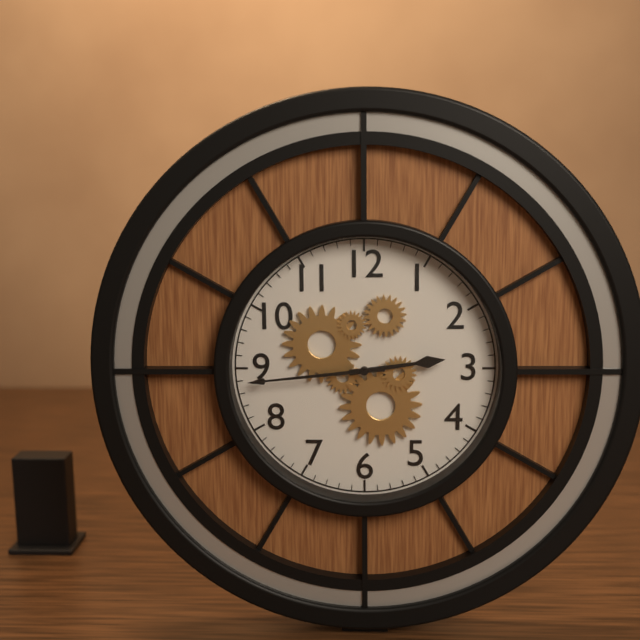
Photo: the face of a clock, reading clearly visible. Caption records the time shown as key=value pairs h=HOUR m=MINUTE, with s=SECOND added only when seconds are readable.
h=2 m=44
